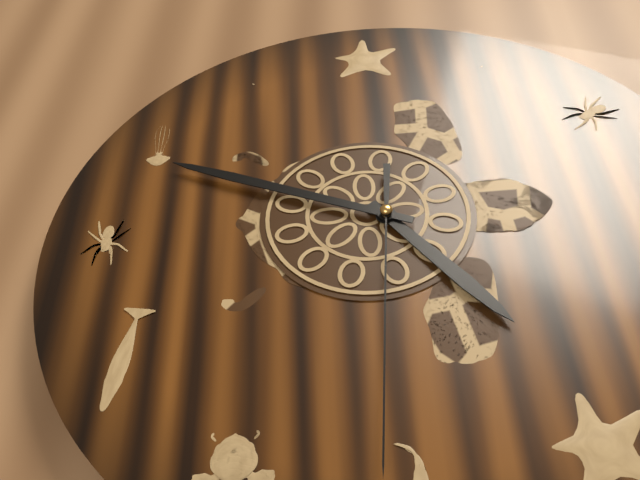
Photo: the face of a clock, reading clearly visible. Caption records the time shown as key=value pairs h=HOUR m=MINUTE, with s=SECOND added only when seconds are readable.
h=4 m=49
